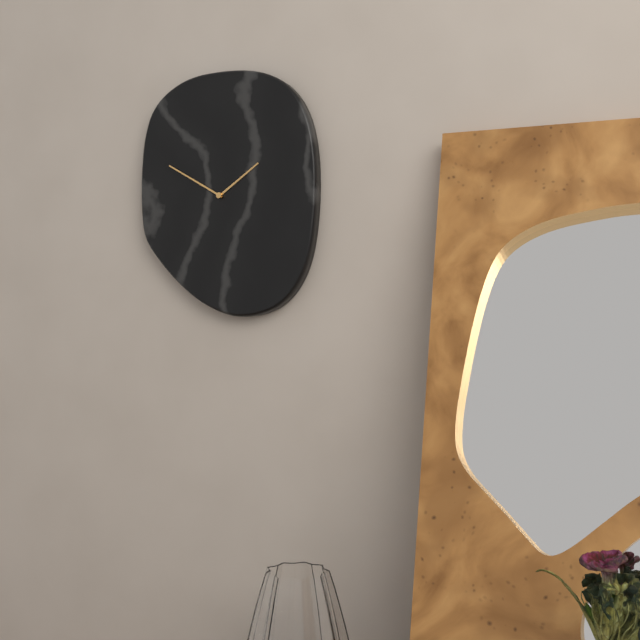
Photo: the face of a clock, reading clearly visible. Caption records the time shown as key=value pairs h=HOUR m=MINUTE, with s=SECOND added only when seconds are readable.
h=1 m=50
